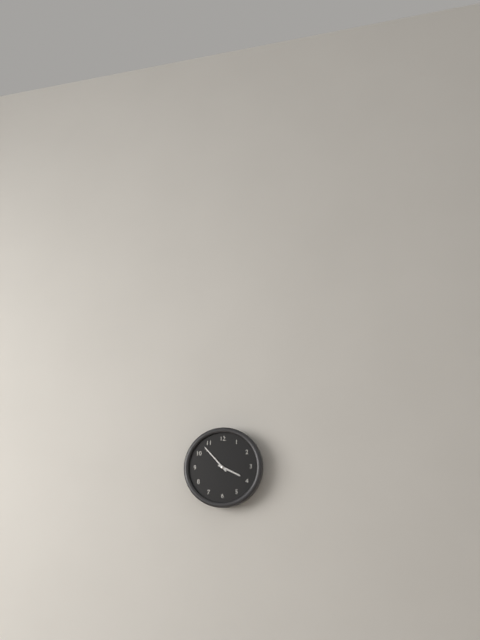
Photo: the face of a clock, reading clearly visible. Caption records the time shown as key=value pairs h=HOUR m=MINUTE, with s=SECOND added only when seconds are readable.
h=3 m=53
